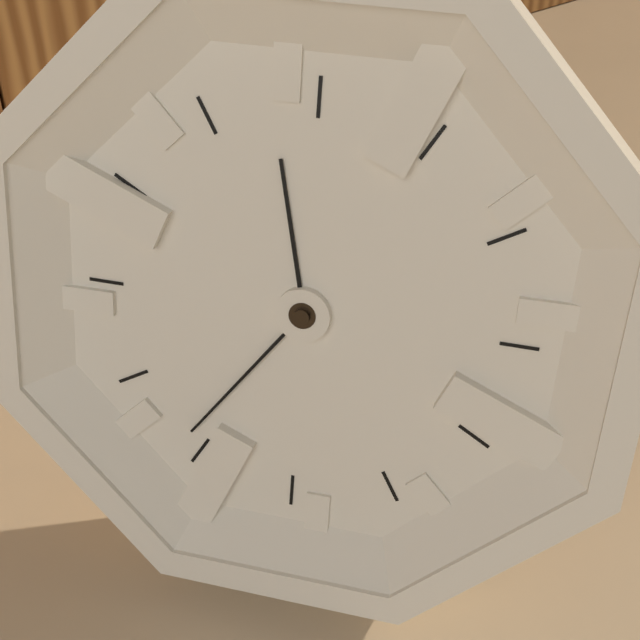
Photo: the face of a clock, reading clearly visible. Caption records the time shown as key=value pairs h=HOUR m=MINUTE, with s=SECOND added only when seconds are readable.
h=11 m=36
